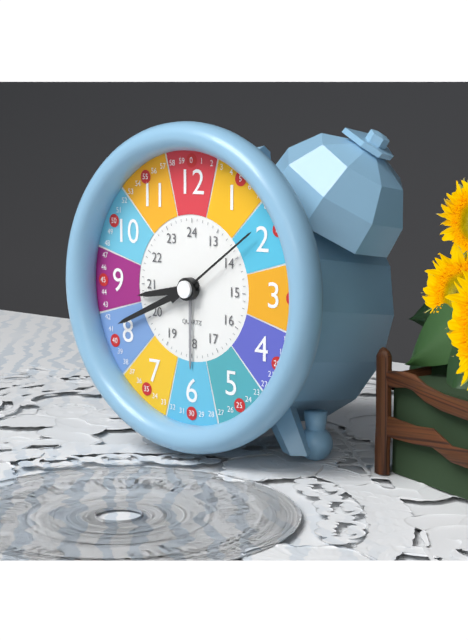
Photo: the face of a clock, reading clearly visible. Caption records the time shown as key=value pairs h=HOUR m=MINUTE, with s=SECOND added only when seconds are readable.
h=8 m=41 s=9
